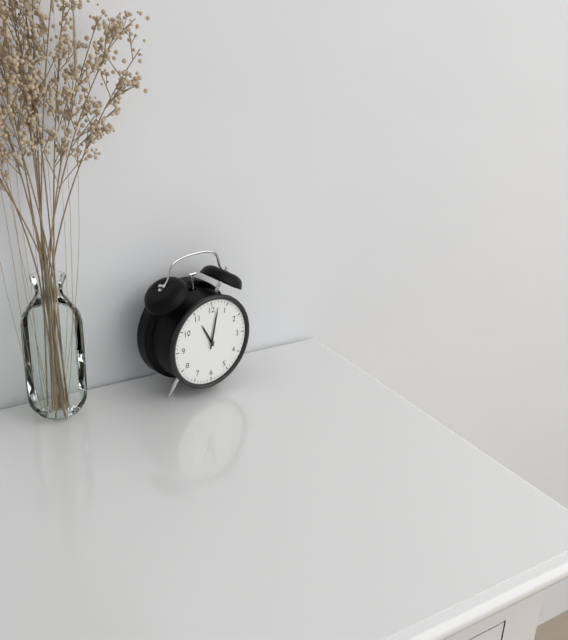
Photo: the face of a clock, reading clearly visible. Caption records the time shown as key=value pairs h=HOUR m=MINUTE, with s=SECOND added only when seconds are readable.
h=11 m=2
